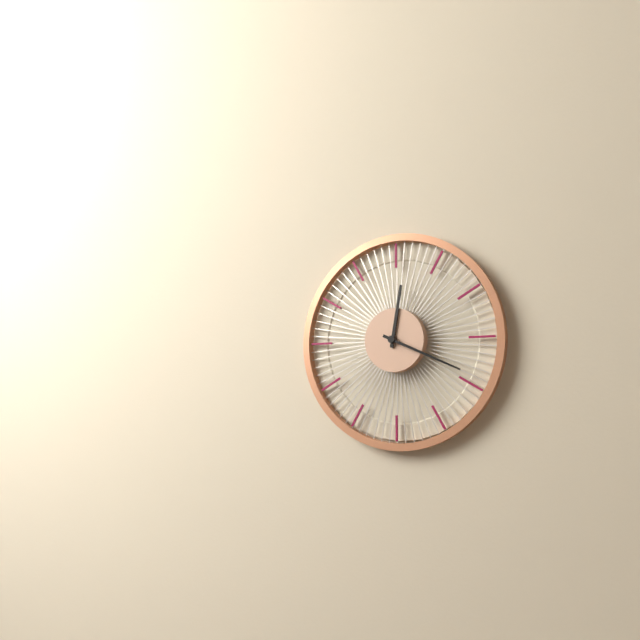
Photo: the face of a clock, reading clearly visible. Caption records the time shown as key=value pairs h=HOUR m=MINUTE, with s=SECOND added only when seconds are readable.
h=12 m=19
